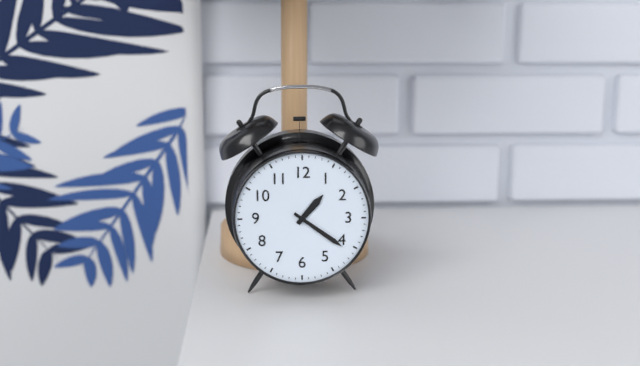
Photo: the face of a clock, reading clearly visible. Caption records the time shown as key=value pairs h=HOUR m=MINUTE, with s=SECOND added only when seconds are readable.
h=1 m=21
